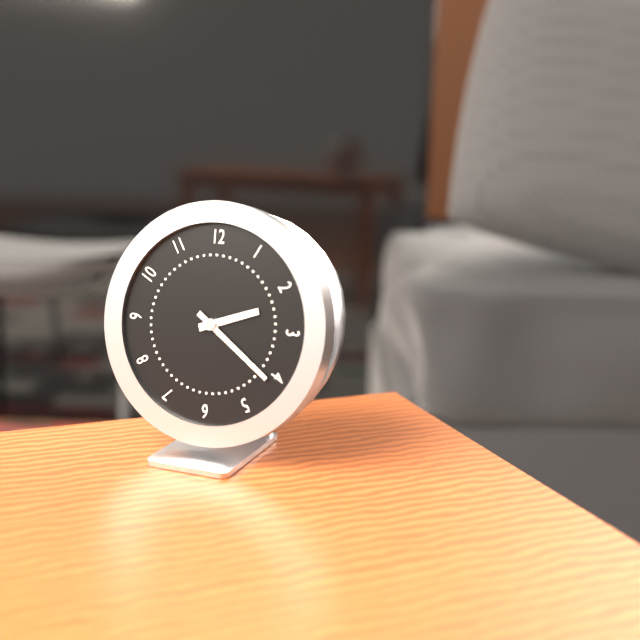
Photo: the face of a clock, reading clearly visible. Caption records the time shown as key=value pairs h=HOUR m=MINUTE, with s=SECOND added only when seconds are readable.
h=2 m=21
